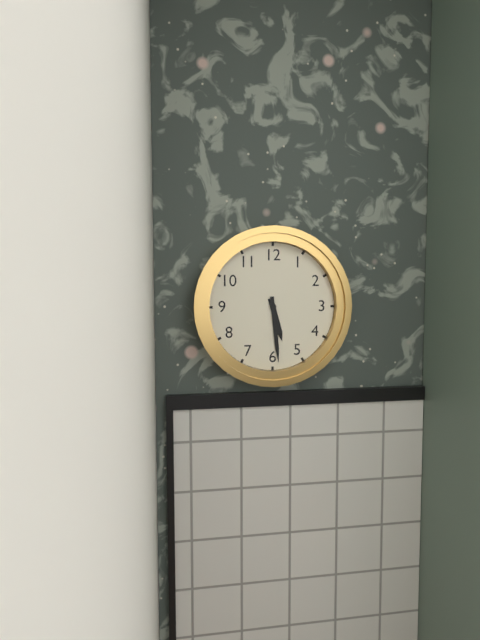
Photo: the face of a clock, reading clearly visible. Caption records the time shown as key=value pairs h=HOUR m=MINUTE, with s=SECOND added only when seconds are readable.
h=5 m=29
